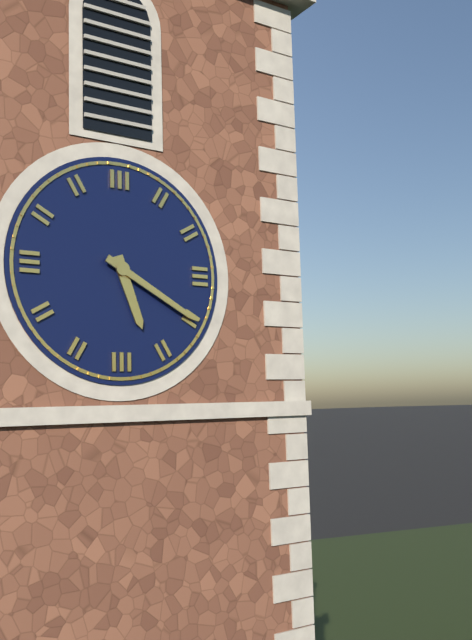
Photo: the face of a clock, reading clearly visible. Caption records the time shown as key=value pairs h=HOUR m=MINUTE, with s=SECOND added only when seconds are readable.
h=5 m=20
